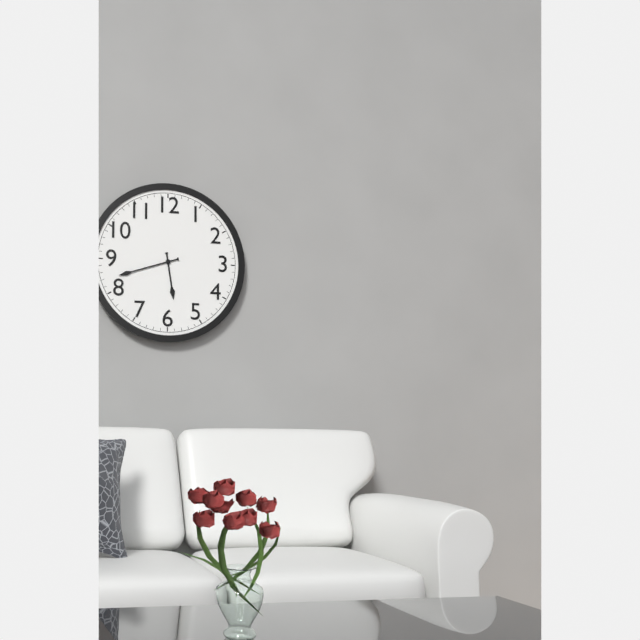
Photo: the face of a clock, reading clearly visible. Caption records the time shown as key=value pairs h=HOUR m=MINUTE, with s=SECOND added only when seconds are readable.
h=5 m=42
